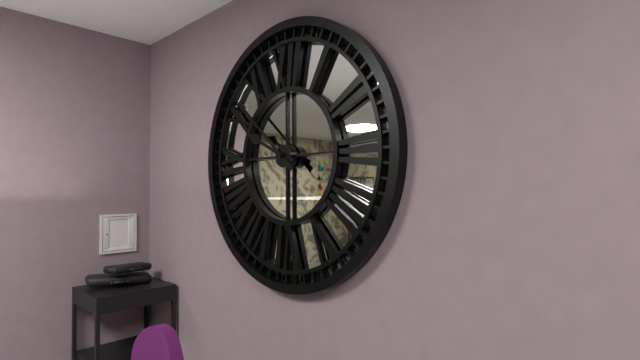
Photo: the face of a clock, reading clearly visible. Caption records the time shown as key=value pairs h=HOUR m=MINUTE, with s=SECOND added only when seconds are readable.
h=9 m=52
